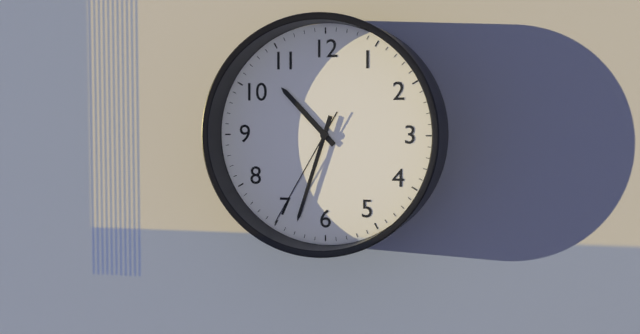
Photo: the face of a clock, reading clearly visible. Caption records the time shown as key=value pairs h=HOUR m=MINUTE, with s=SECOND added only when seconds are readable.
h=10 m=33 s=35
